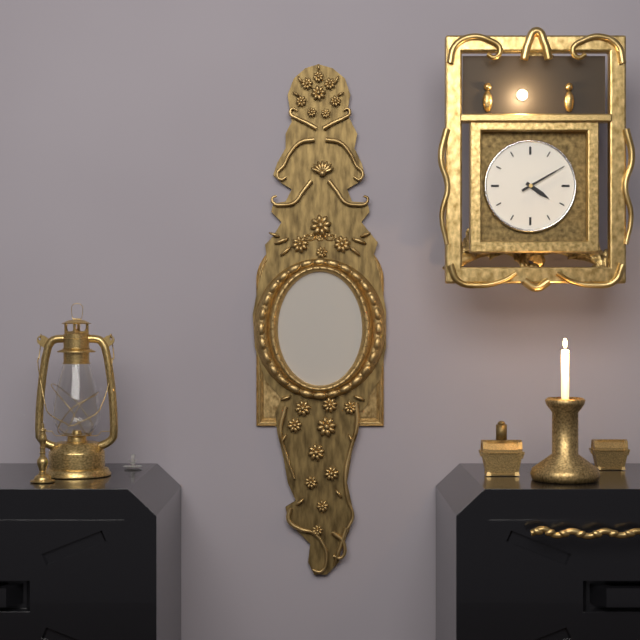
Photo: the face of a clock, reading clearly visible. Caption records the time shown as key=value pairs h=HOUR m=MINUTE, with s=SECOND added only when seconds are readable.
h=4 m=10
